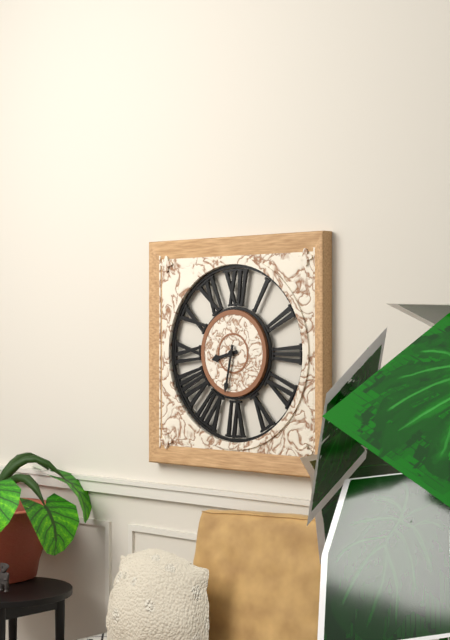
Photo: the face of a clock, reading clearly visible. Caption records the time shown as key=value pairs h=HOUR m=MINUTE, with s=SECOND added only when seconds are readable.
h=8 m=32
